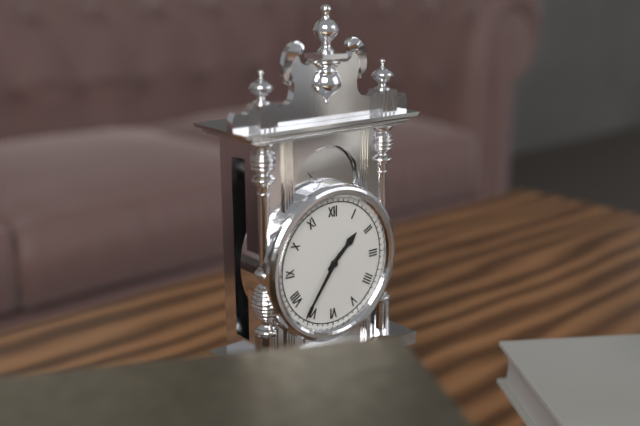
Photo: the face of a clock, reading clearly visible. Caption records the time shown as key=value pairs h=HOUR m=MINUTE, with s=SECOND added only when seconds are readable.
h=1 m=36
